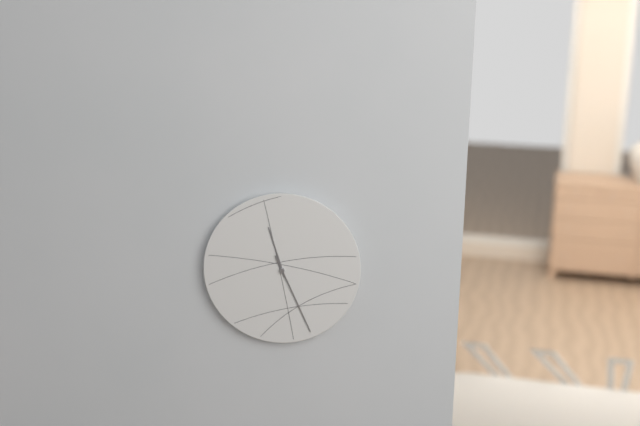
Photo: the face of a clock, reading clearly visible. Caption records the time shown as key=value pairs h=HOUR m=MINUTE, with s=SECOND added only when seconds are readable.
h=11 m=26
